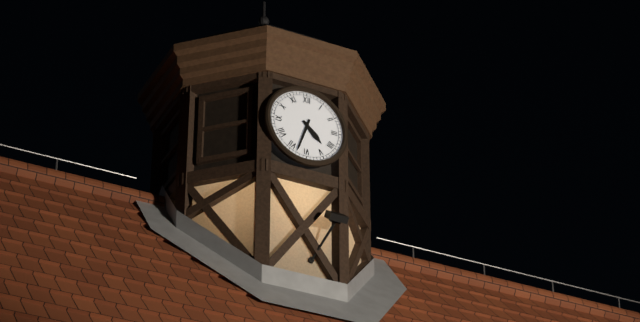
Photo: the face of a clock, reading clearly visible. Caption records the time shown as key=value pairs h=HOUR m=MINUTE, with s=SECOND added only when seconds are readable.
h=4 m=33
